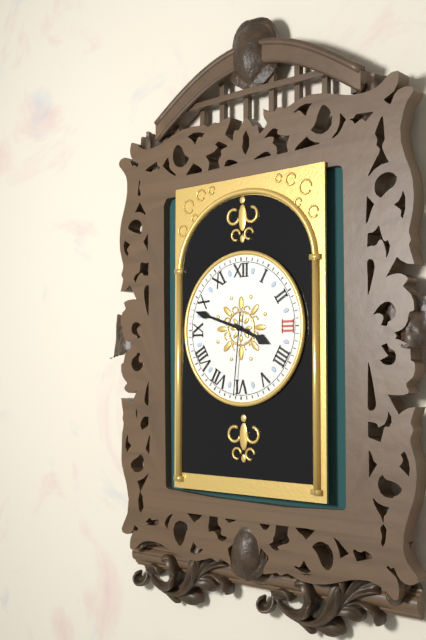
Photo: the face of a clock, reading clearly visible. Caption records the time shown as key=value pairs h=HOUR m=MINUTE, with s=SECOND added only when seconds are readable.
h=3 m=48 s=31
